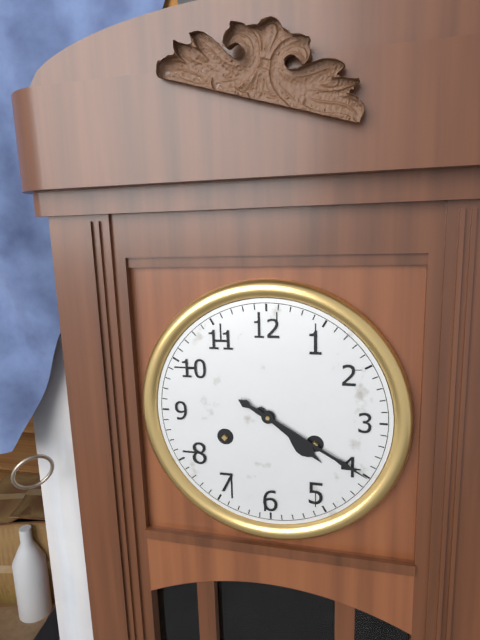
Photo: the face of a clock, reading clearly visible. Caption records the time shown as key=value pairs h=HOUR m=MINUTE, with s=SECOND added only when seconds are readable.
h=4 m=20
